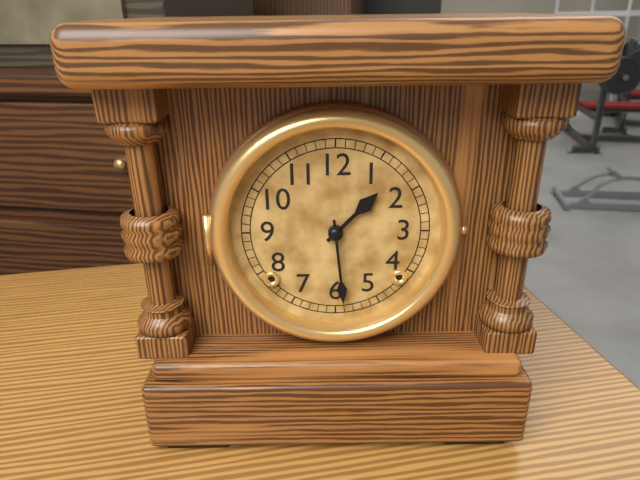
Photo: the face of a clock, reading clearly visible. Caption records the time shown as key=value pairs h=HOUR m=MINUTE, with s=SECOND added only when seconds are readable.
h=1 m=29
